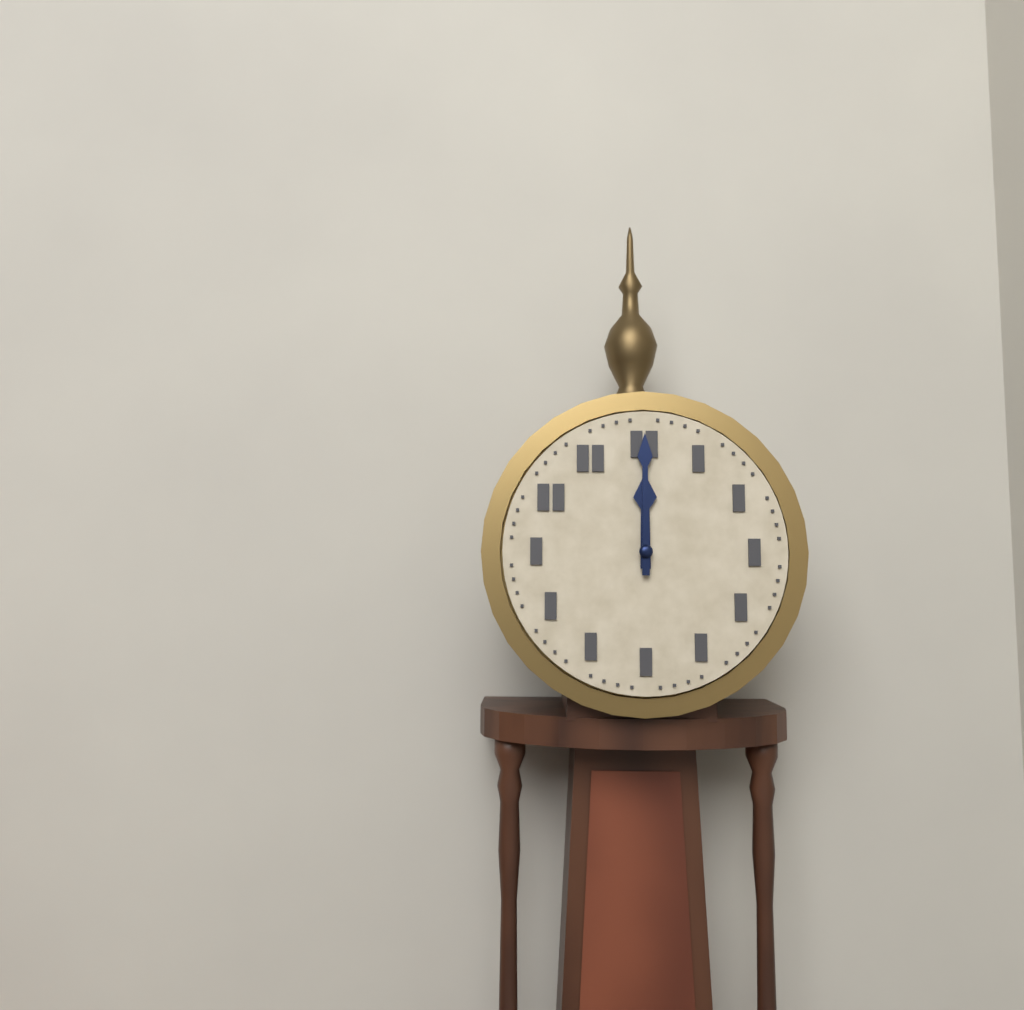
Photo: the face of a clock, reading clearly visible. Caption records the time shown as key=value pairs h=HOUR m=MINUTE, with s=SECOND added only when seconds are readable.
h=12 m=0
